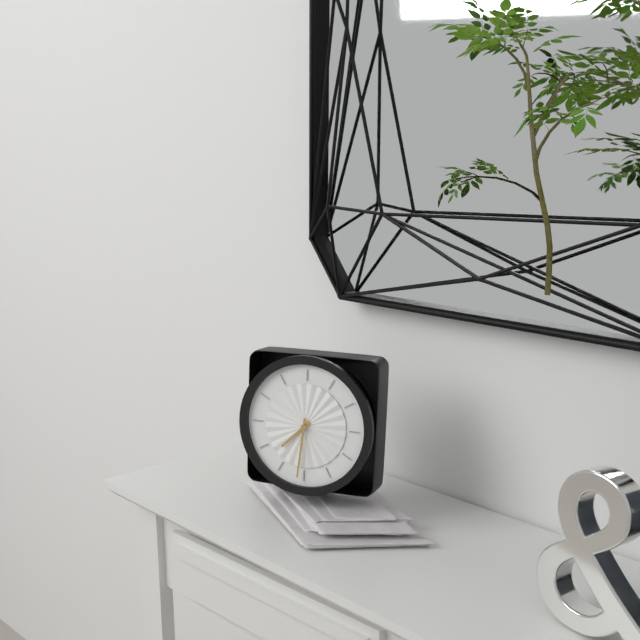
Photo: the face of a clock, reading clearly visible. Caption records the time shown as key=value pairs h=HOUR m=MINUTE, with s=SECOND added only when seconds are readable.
h=7 m=31
